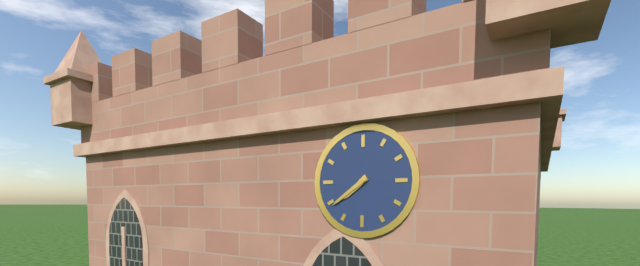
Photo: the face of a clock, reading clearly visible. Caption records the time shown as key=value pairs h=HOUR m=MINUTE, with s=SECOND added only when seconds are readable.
h=7 m=39
